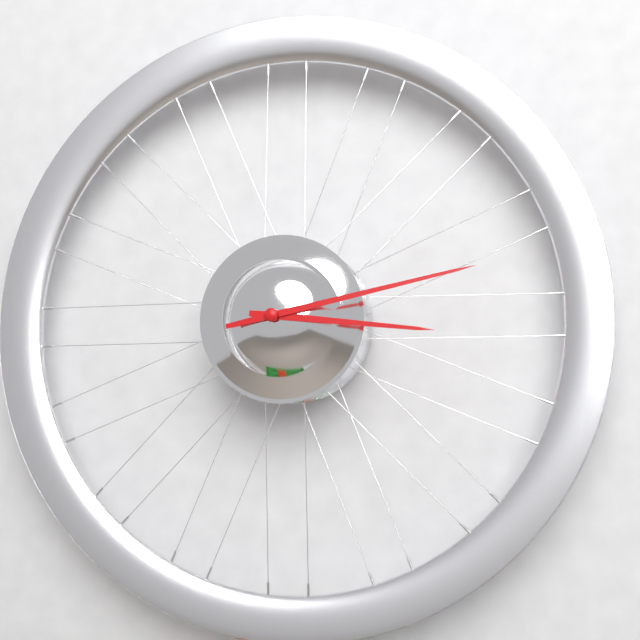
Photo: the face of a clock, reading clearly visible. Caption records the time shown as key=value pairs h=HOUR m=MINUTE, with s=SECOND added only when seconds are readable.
h=3 m=13
